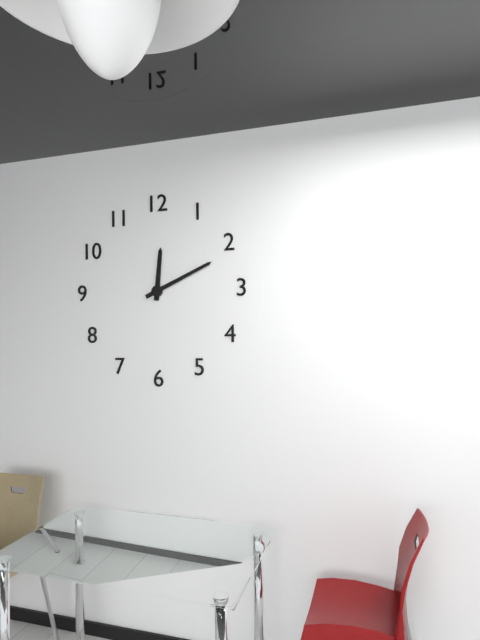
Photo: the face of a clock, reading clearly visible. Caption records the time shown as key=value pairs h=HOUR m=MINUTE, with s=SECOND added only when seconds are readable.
h=12 m=11
